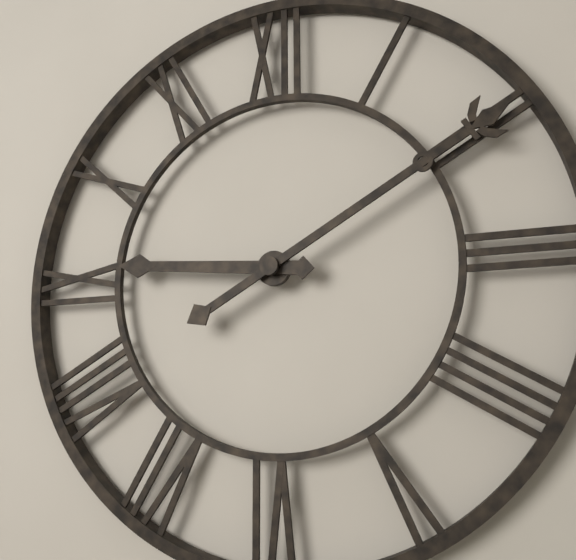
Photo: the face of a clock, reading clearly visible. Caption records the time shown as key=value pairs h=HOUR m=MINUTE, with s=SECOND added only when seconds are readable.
h=9 m=10
